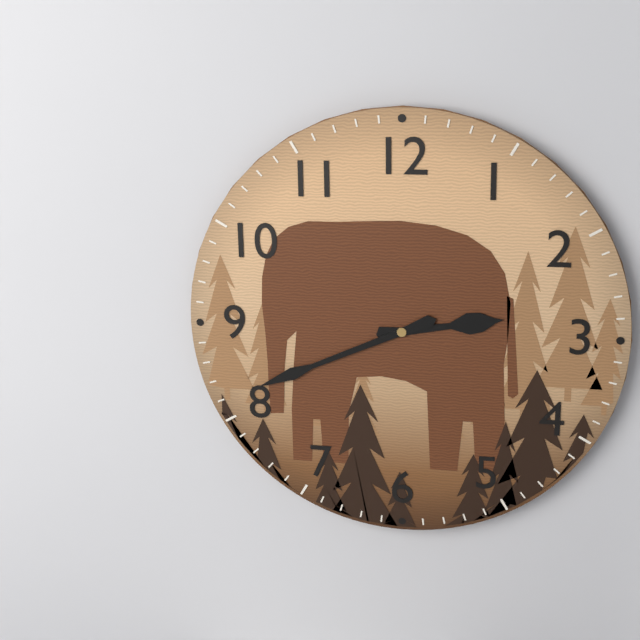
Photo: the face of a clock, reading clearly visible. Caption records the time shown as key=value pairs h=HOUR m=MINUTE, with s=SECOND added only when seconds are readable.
h=2 m=41
